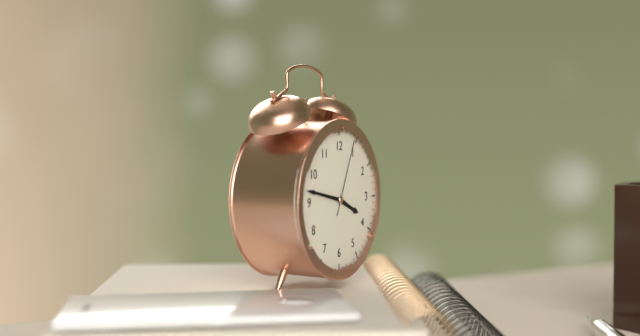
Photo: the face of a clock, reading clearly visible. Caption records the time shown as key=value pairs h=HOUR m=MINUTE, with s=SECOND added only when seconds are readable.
h=3 m=47 s=4
